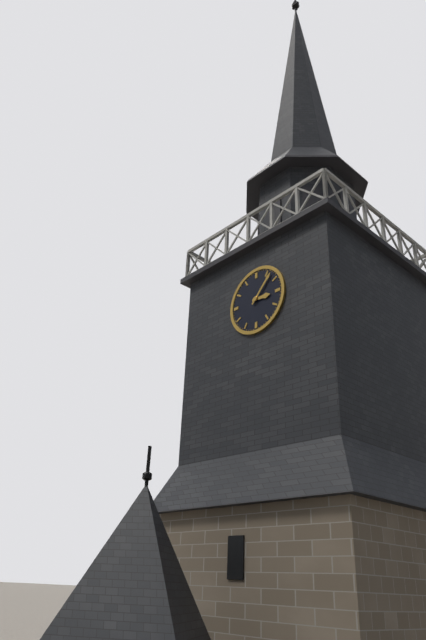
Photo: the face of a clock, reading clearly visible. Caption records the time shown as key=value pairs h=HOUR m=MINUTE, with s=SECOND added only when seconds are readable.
h=3 m=7
